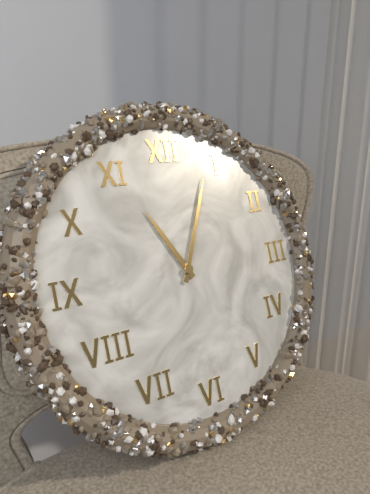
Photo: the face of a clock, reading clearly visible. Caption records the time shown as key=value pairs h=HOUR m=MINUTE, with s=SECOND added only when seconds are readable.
h=11 m=4
